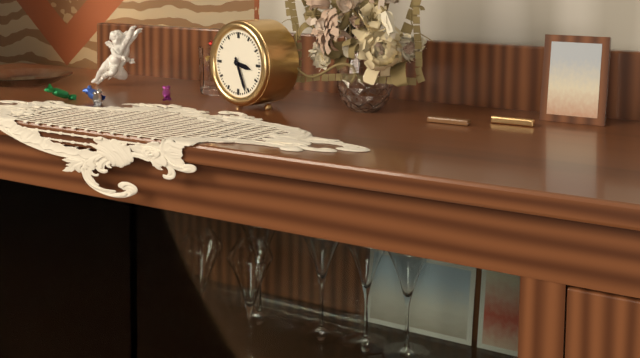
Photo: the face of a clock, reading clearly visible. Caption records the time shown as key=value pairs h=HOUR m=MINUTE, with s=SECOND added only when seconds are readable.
h=3 m=26
